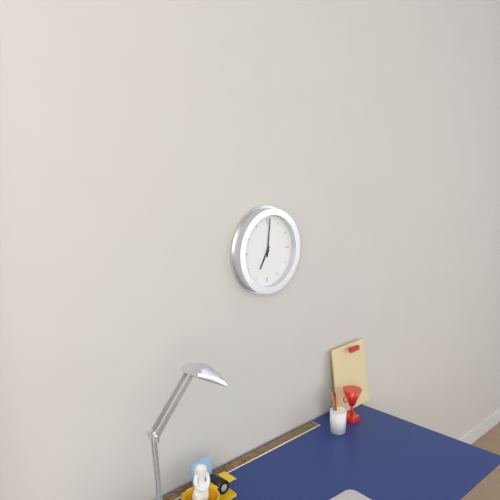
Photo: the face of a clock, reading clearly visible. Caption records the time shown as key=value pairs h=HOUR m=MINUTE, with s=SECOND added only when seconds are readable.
h=7 m=1
